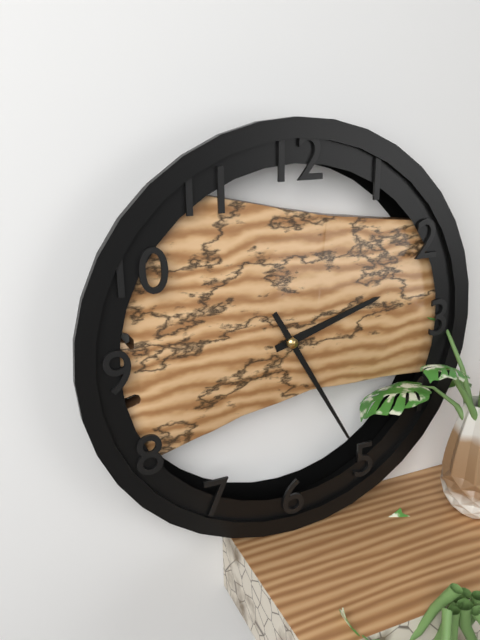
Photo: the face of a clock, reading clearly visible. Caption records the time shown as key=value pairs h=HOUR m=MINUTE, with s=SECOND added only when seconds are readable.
h=2 m=25
